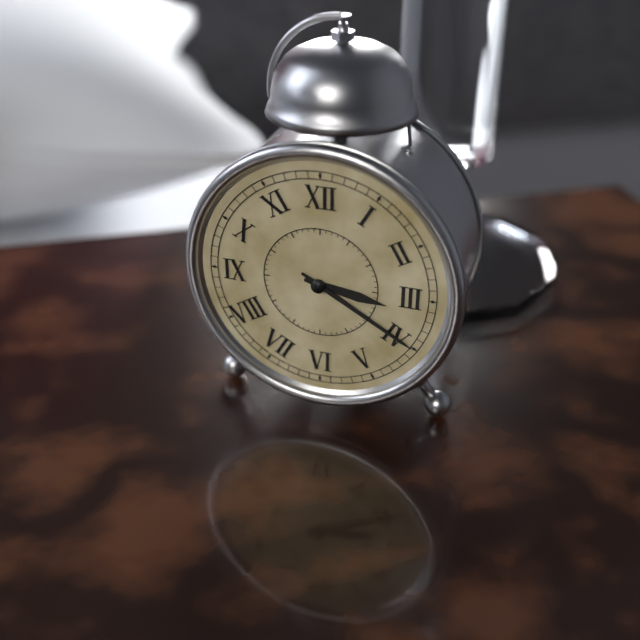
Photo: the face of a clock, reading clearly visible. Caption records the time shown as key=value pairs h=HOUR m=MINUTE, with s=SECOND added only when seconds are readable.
h=3 m=20
